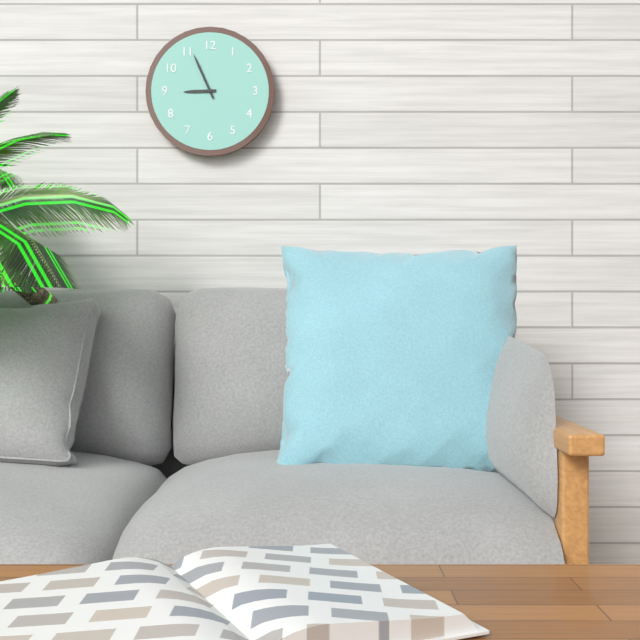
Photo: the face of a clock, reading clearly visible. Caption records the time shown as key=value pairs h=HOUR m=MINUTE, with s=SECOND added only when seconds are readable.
h=8 m=56
